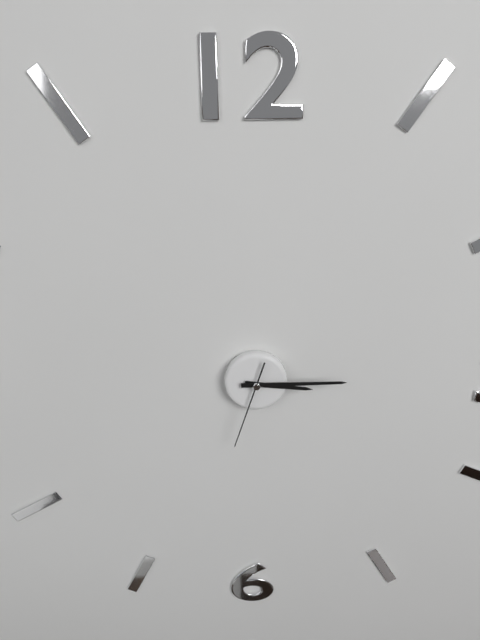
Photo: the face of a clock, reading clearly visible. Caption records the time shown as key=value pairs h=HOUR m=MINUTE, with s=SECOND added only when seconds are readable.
h=3 m=15 s=33
